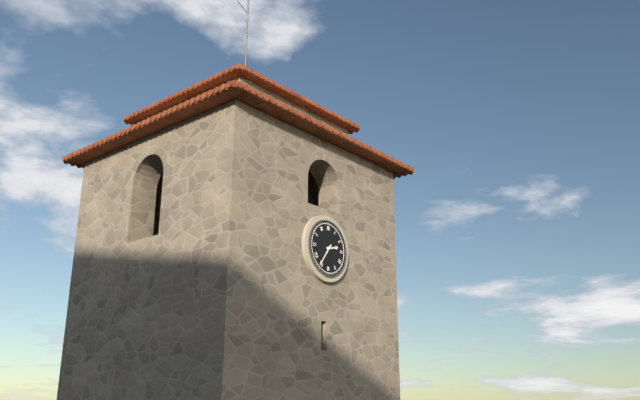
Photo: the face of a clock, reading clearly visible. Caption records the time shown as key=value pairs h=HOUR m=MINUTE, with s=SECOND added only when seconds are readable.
h=2 m=36
